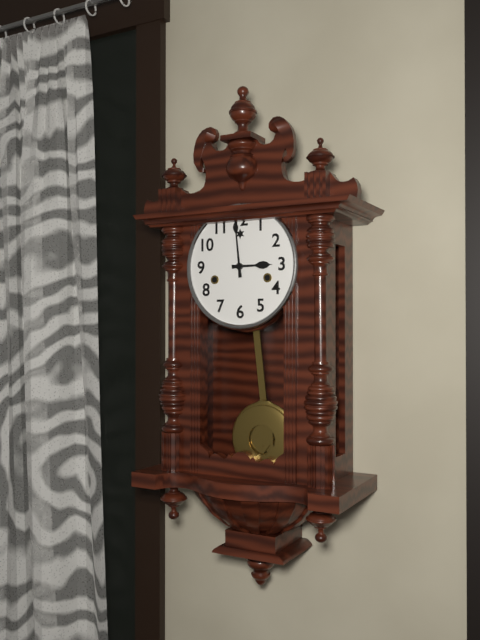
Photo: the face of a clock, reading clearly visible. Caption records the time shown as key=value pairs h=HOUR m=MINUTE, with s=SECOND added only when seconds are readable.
h=2 m=59
